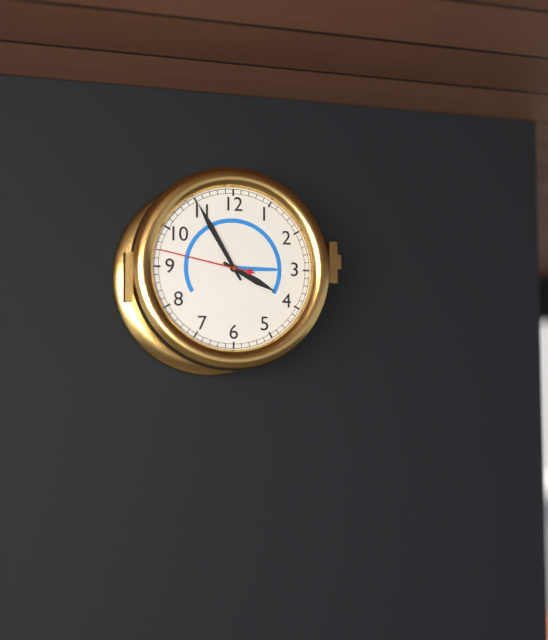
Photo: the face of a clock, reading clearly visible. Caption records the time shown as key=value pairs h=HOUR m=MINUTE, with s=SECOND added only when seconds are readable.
h=3 m=55 s=47
